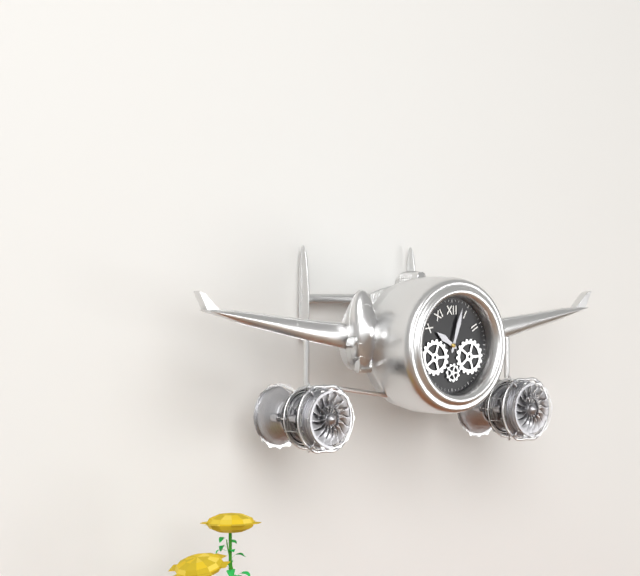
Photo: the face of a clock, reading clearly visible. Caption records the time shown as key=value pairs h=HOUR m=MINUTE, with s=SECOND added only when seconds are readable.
h=10 m=3
